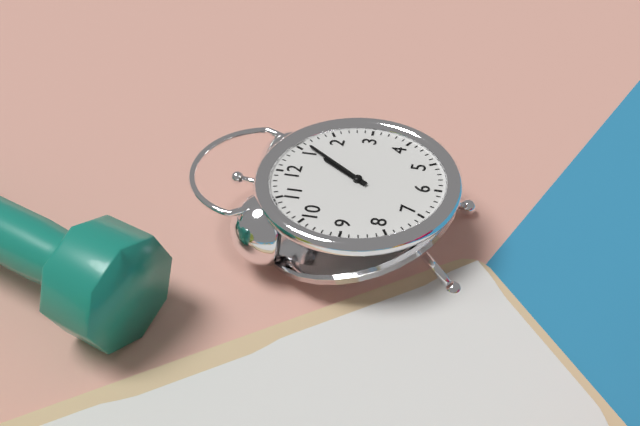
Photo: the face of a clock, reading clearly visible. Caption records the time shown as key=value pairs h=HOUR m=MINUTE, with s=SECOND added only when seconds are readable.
h=1 m=6
